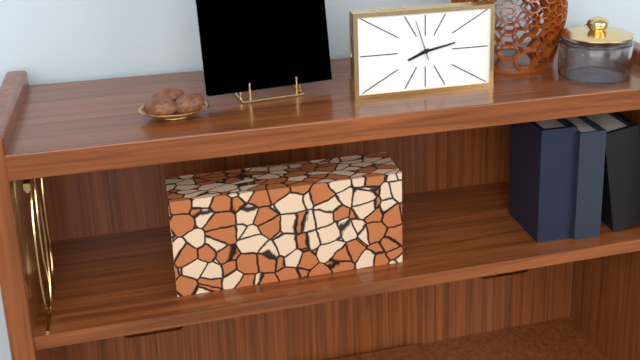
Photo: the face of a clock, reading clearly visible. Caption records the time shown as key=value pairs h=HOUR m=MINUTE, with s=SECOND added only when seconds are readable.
h=8 m=13
